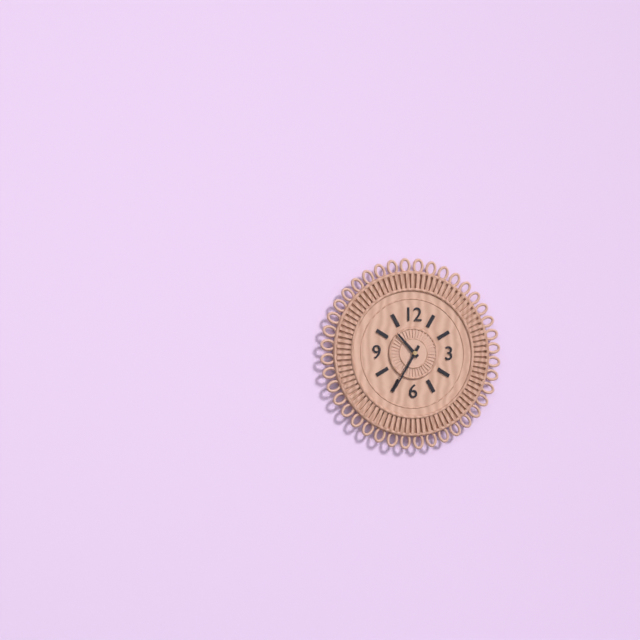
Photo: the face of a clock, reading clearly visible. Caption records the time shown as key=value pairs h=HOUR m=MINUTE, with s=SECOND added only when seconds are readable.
h=10 m=35
